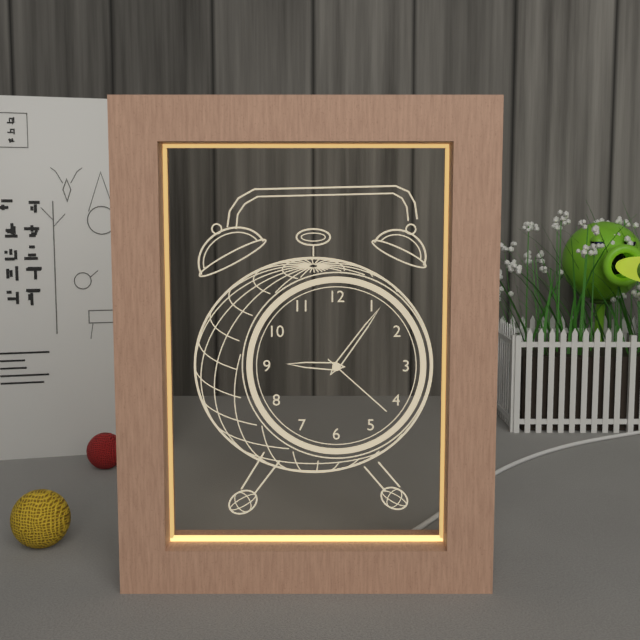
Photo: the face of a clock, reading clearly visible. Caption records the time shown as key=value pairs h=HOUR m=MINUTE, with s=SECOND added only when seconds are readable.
h=9 m=6 s=22
